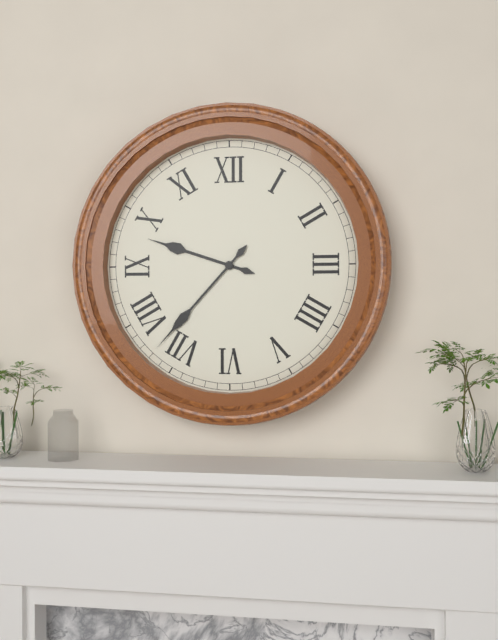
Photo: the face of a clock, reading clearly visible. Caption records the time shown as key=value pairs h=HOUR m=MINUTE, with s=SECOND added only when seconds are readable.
h=9 m=37
